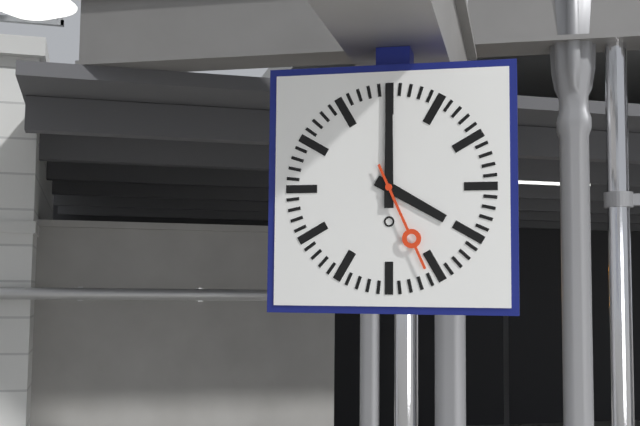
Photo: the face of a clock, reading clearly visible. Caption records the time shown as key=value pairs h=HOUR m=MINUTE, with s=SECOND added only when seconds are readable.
h=4 m=0 s=26
